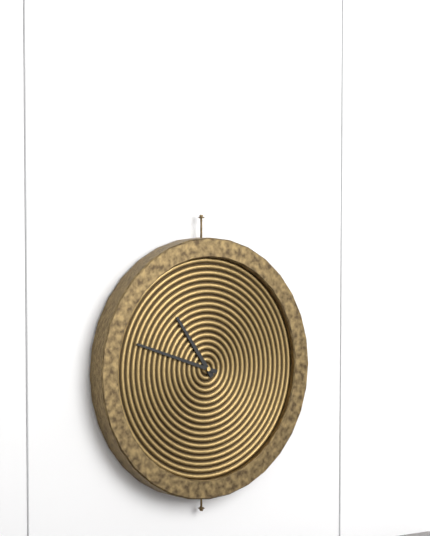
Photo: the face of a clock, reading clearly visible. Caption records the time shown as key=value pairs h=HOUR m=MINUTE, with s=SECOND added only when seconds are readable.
h=10 m=48
